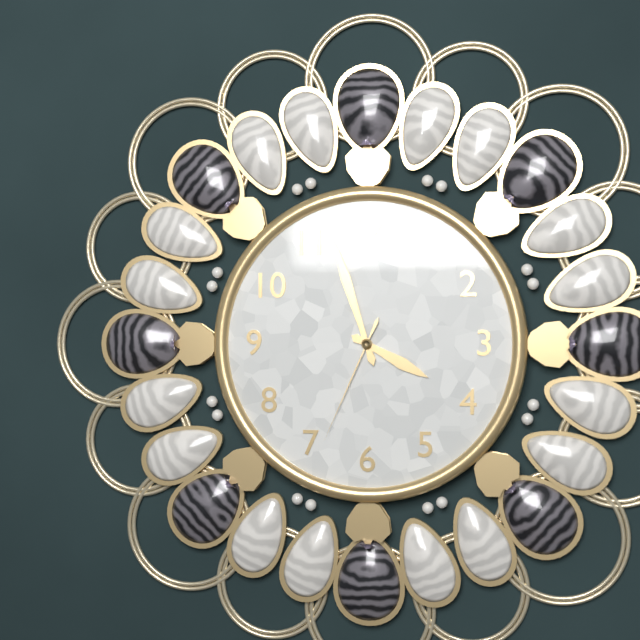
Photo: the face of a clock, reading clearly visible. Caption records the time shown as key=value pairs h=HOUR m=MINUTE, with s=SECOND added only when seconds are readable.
h=3 m=57 s=34
